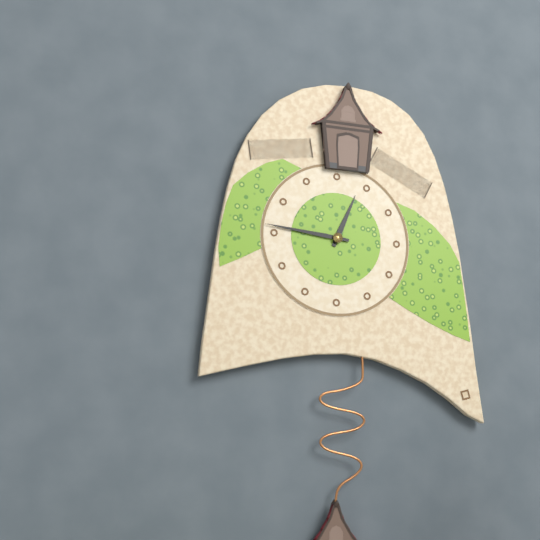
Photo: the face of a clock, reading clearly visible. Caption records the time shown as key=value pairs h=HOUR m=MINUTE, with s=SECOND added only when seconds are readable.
h=12 m=46
